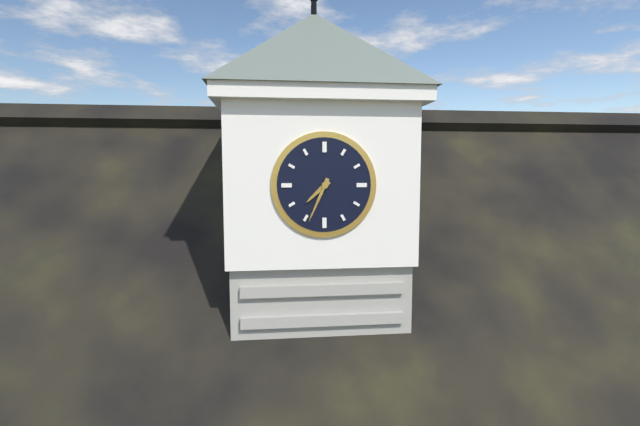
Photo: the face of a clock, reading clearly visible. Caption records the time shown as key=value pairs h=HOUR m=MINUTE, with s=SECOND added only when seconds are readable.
h=7 m=34
